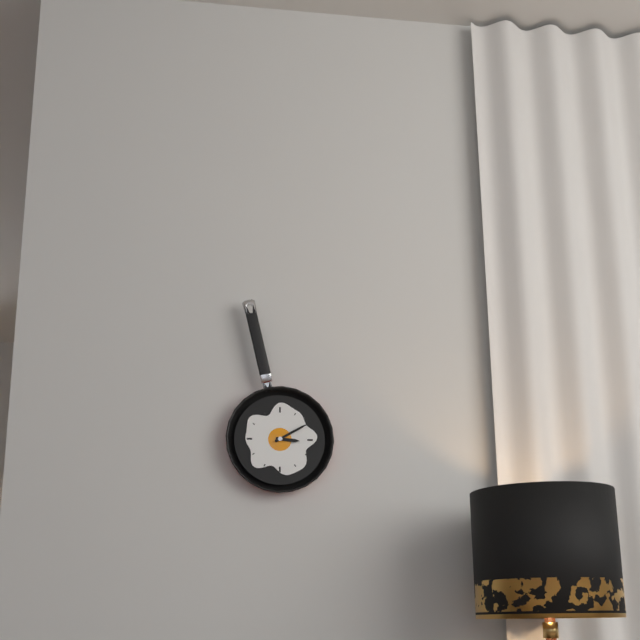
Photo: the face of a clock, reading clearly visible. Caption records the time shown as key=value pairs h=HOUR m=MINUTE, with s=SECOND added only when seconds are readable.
h=3 m=10
